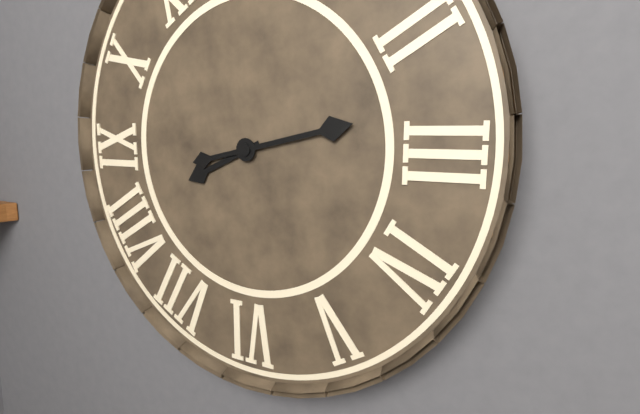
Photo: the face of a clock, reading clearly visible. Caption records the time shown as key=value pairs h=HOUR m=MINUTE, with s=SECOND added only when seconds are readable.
h=8 m=13
